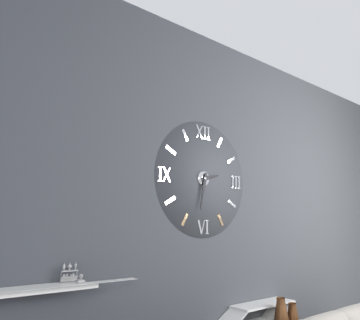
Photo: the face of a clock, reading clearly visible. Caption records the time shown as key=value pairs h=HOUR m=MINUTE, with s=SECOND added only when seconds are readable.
h=2 m=32
